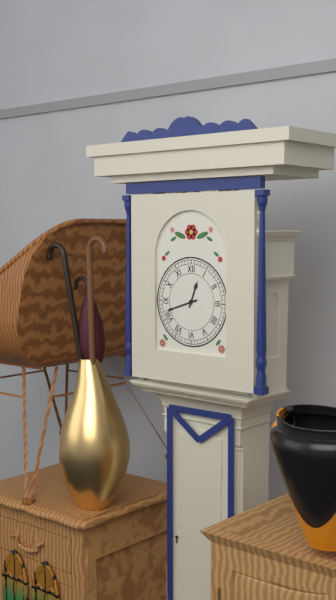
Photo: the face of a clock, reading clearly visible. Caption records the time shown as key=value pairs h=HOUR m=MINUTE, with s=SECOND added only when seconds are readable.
h=12 m=42
